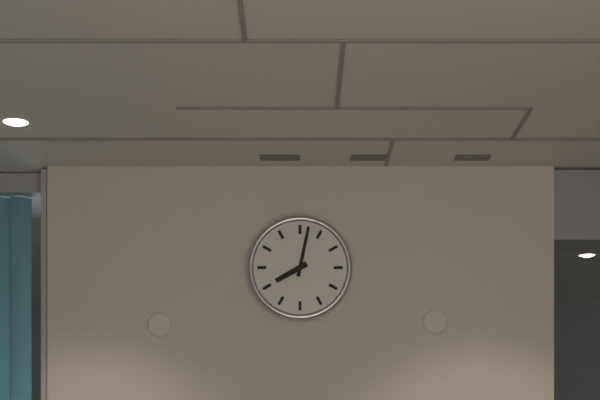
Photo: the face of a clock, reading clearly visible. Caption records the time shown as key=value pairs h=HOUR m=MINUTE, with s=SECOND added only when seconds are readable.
h=8 m=2
